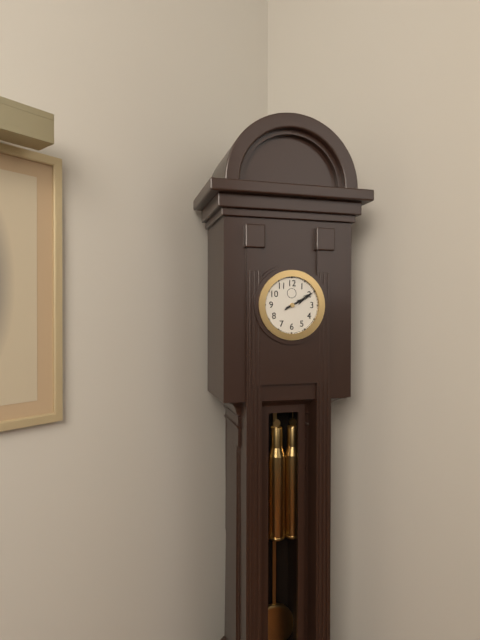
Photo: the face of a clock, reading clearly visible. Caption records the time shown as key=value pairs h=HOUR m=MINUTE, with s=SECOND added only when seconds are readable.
h=2 m=10
